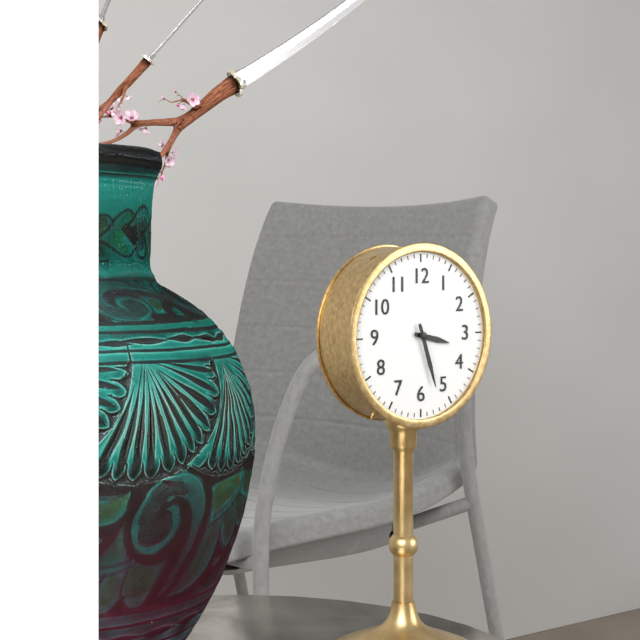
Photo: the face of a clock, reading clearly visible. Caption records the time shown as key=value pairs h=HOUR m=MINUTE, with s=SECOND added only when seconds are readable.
h=3 m=27
